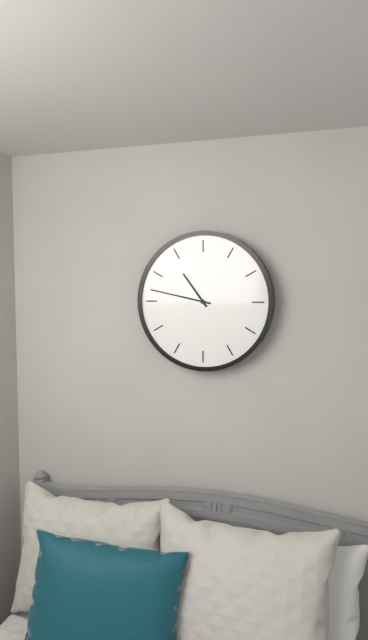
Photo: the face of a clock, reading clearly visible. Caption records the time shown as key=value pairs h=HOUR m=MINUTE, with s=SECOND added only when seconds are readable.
h=10 m=47
